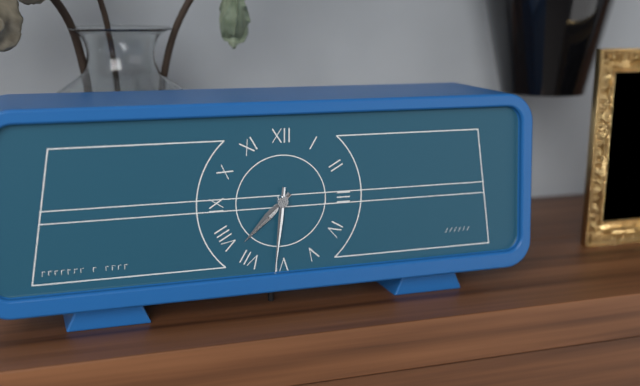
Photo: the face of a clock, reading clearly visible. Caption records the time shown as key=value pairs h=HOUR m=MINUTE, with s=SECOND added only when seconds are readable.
h=7 m=31
